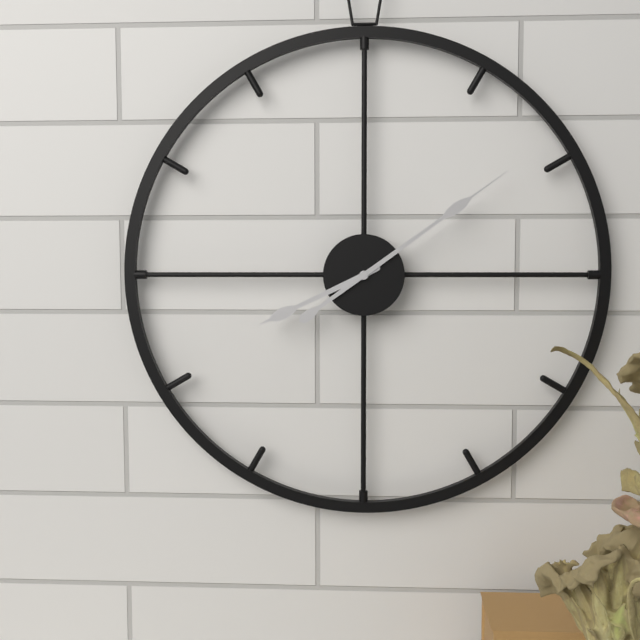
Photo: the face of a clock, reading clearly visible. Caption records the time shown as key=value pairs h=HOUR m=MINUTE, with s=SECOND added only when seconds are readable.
h=8 m=9
